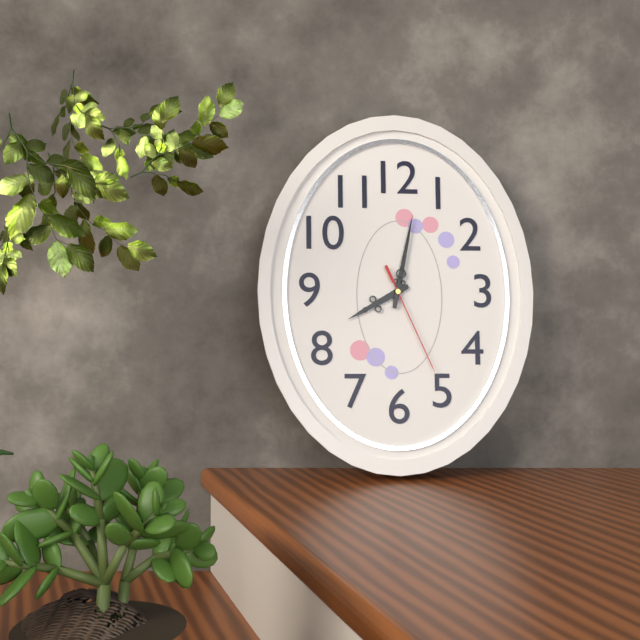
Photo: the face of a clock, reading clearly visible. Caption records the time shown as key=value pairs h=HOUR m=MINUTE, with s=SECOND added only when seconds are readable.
h=8 m=2 s=26
